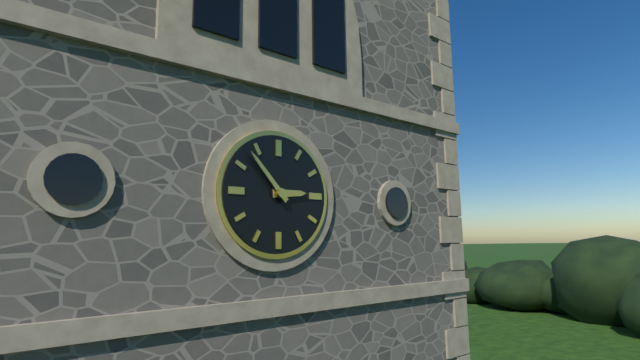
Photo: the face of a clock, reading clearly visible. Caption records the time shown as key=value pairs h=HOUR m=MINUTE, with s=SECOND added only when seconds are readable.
h=2 m=53
